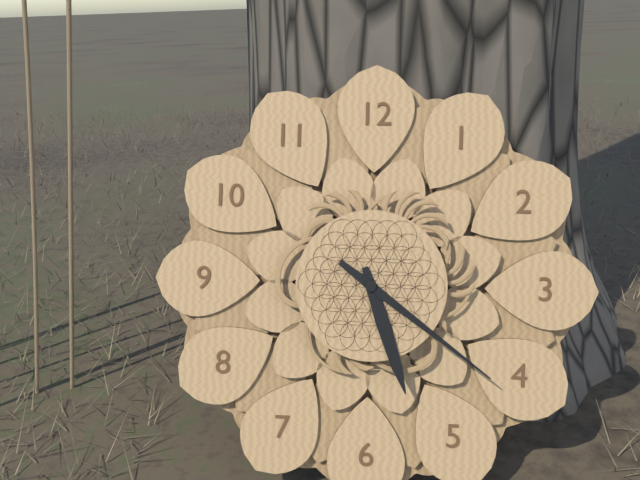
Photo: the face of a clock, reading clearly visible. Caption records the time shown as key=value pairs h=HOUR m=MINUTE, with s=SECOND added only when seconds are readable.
h=5 m=21
